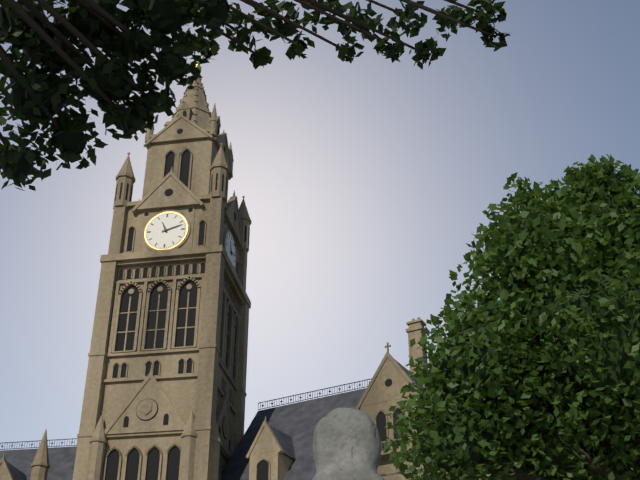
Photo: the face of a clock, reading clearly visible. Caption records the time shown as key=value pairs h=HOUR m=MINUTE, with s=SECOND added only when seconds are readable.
h=11 m=12
